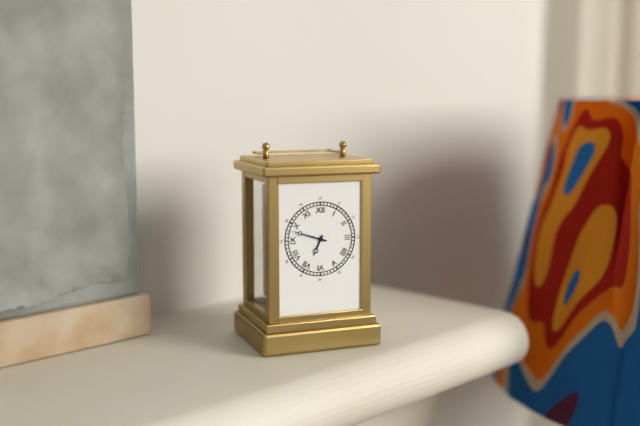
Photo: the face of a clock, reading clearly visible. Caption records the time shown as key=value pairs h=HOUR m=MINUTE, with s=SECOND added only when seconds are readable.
h=6 m=48
